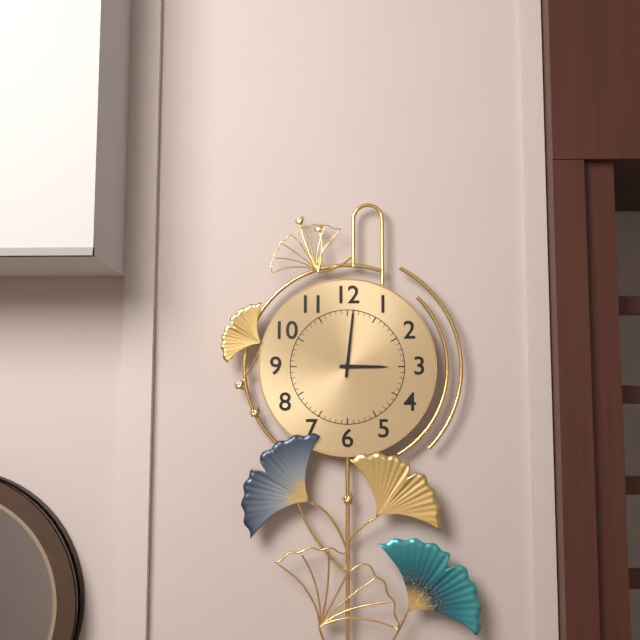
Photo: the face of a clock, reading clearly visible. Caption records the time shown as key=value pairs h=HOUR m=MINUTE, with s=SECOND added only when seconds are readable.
h=3 m=1
